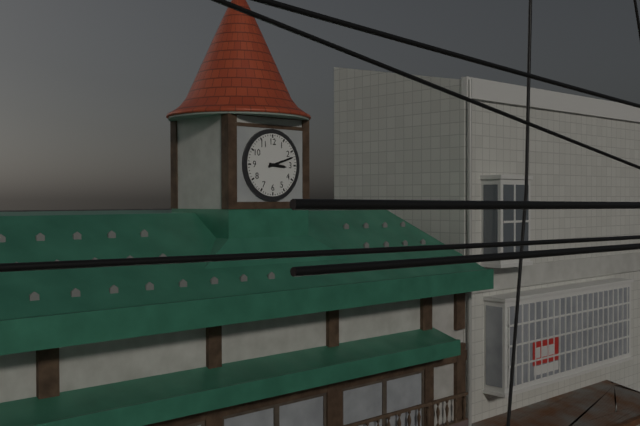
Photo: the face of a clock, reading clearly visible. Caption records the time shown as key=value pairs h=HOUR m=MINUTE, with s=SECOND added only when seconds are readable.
h=3 m=12
